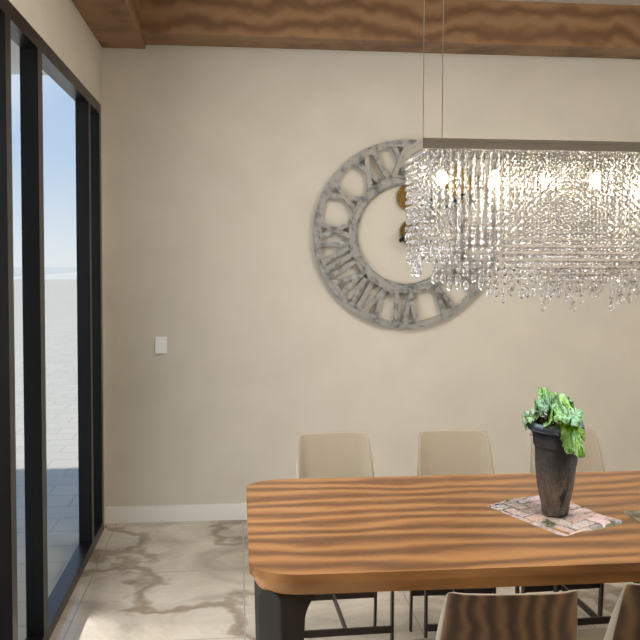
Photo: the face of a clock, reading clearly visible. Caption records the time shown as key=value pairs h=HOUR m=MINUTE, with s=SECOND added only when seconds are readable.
h=1 m=9
